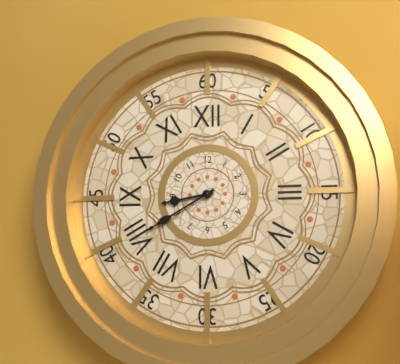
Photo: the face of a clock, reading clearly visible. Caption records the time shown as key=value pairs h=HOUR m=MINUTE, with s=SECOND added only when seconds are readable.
h=8 m=40
